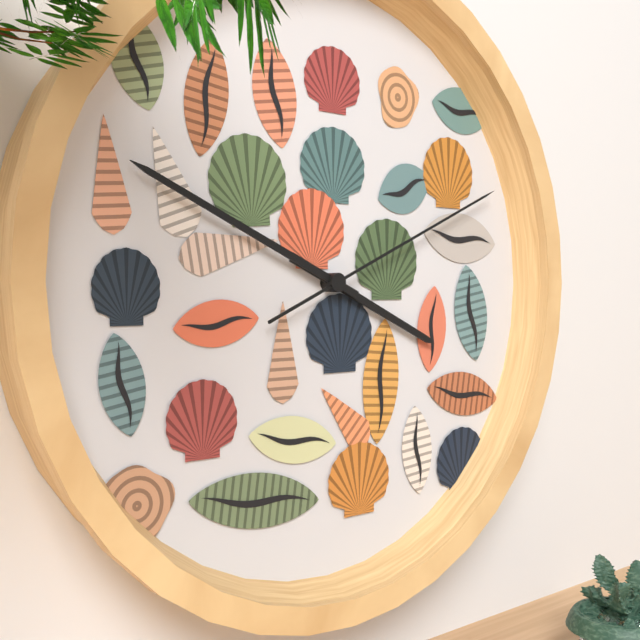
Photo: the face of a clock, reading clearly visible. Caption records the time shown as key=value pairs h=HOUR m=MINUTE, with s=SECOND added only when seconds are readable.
h=3 m=49 s=11
